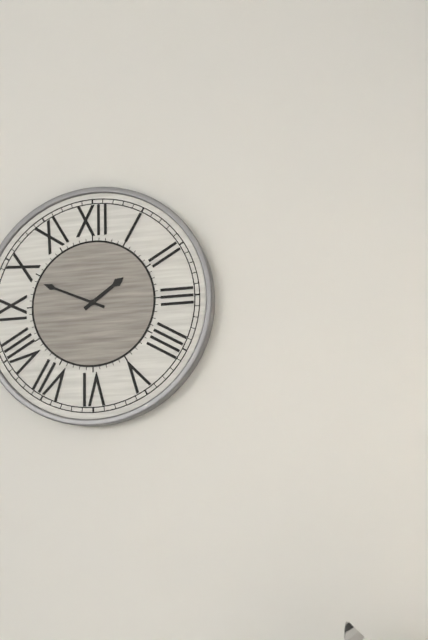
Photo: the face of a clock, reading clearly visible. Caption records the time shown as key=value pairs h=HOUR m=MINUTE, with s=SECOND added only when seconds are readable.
h=1 m=49
